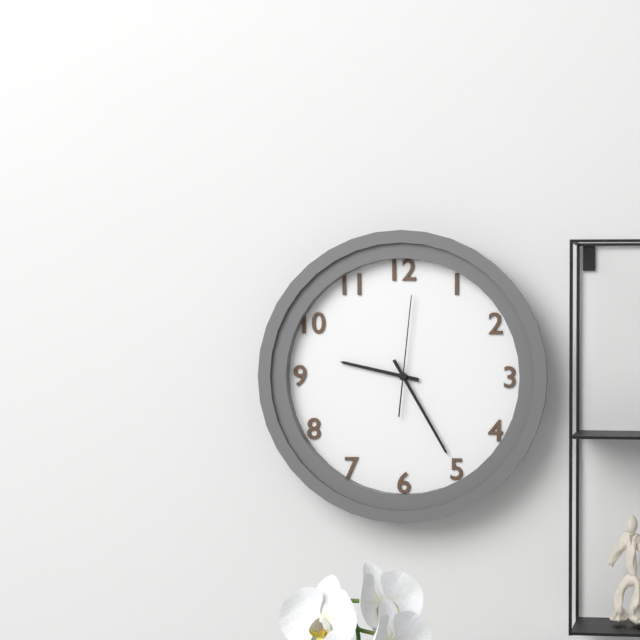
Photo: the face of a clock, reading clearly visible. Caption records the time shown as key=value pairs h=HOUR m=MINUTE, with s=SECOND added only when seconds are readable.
h=9 m=25 s=1
